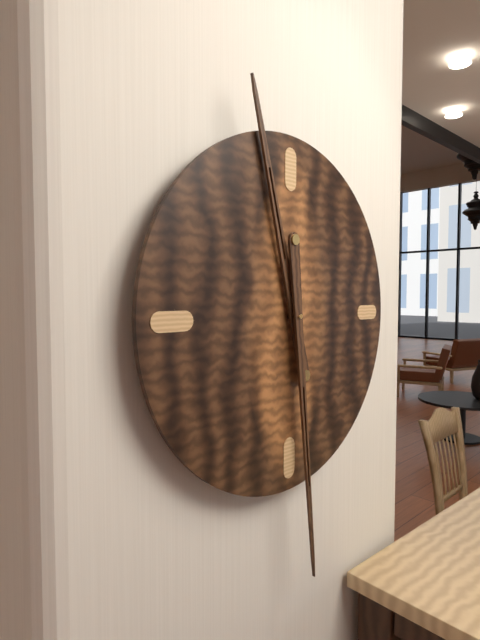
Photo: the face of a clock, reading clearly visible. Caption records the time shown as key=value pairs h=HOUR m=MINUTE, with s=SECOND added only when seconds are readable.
h=11 m=29
